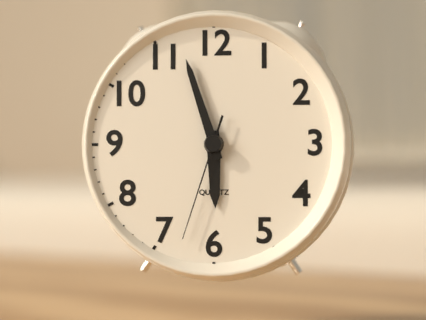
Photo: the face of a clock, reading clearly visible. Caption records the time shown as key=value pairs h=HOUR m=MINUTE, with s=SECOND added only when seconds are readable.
h=5 m=57 s=33
